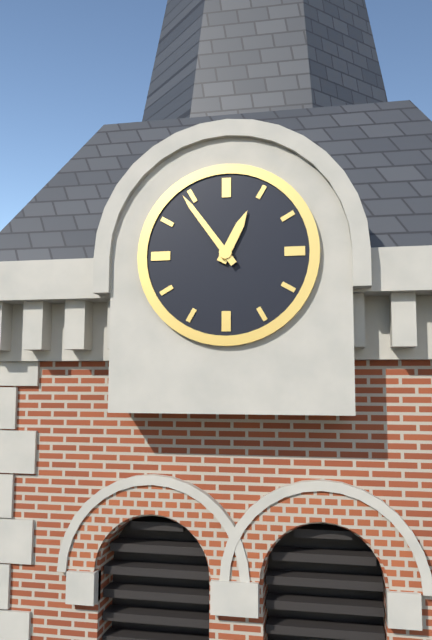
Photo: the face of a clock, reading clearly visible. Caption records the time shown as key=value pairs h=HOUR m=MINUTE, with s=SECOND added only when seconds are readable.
h=12 m=54
